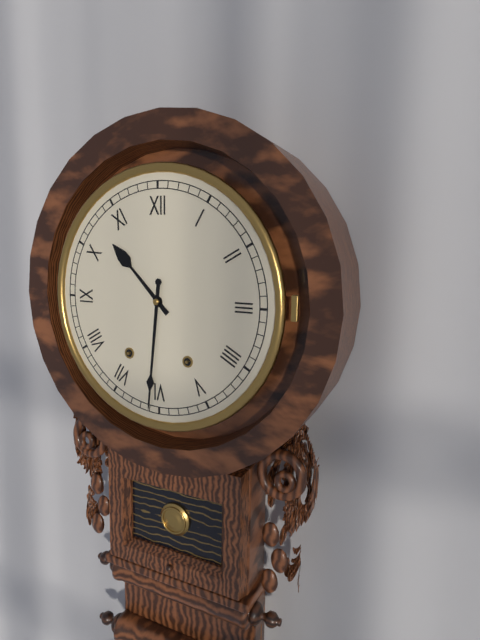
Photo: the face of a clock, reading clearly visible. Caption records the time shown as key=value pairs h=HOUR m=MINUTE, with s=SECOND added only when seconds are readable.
h=10 m=31
